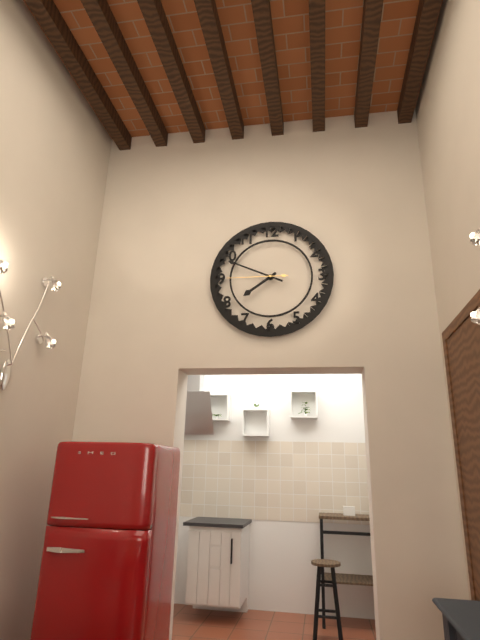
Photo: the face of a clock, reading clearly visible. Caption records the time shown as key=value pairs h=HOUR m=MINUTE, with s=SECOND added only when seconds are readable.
h=7 m=49 s=45
